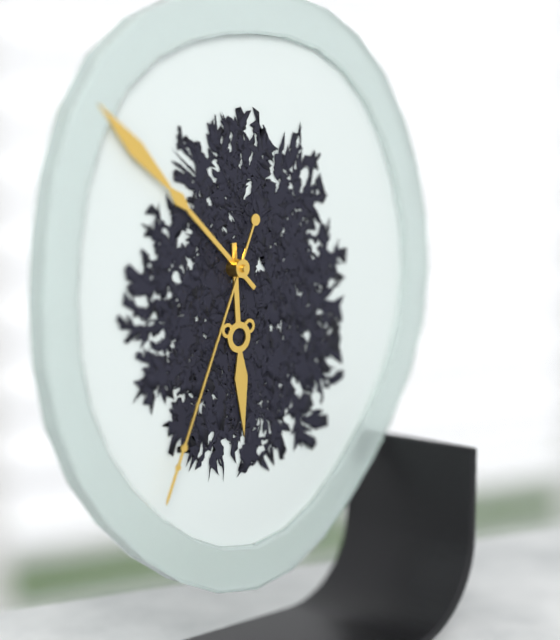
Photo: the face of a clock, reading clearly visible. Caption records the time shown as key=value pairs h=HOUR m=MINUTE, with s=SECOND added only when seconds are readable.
h=5 m=52 s=34
